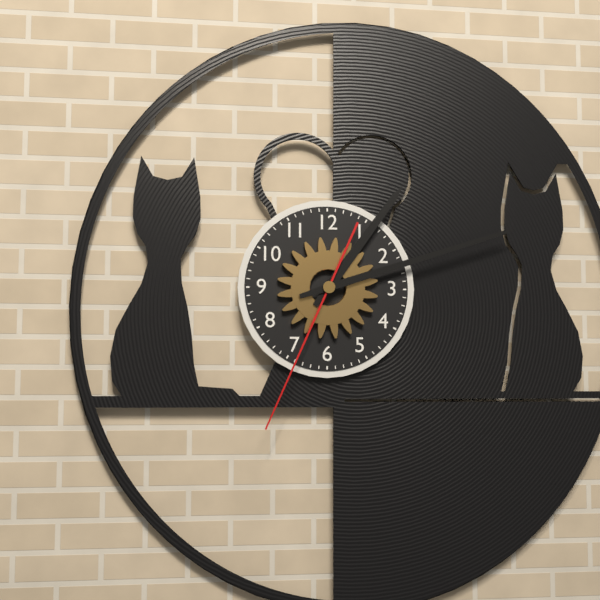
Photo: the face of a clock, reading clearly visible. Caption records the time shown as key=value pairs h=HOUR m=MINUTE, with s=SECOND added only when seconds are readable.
h=1 m=12 s=34
